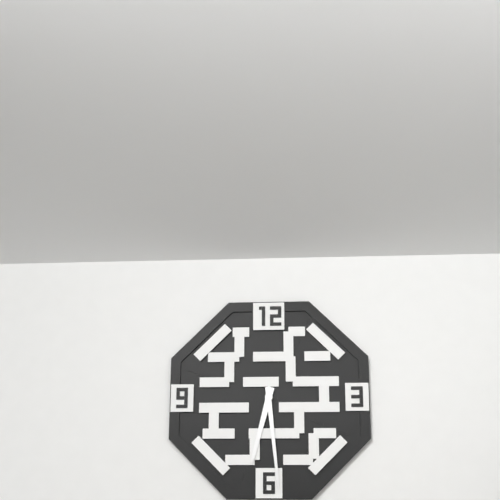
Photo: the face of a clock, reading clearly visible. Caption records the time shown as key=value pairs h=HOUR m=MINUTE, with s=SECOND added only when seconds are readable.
h=6 m=29
